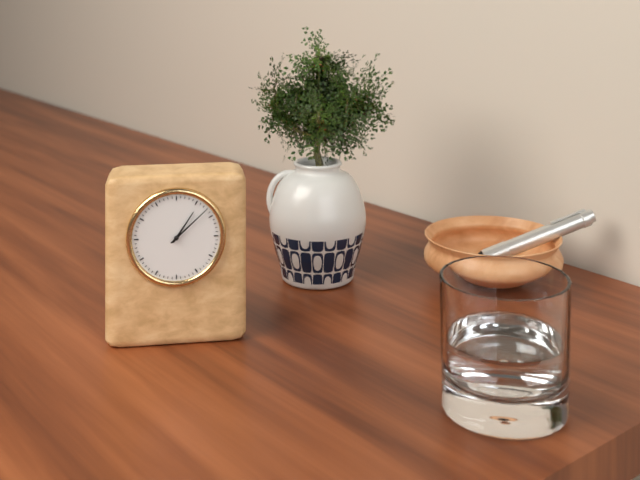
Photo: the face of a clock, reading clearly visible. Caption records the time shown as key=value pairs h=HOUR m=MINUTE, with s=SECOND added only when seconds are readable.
h=1 m=8
